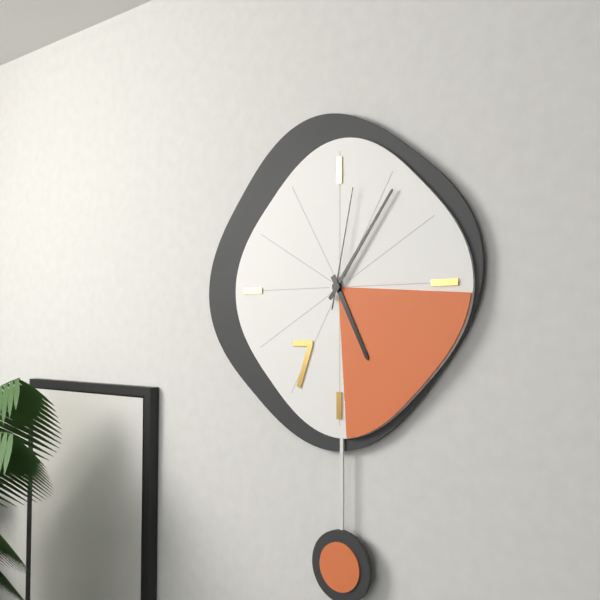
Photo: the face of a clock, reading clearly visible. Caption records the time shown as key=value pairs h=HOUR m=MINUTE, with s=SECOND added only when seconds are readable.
h=5 m=6 s=2
